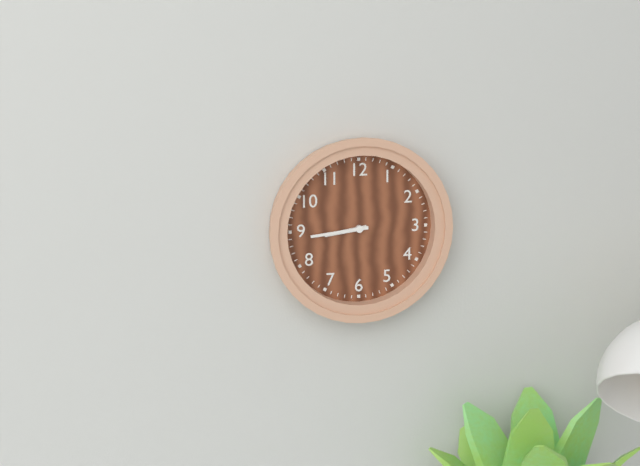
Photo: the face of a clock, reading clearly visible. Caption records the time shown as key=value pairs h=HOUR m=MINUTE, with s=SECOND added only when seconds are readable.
h=8 m=44
